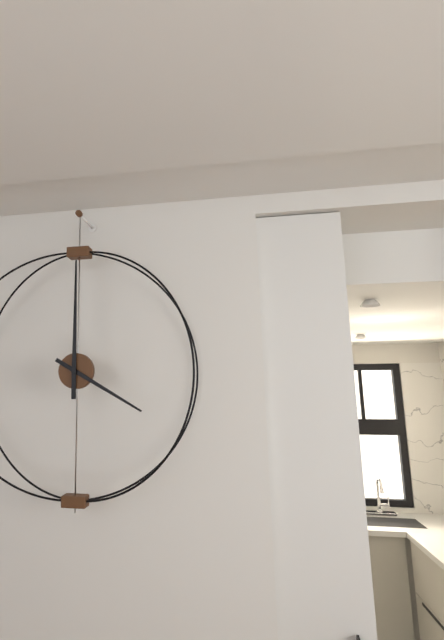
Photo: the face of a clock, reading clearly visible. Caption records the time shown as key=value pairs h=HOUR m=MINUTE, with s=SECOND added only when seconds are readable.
h=4 m=0
